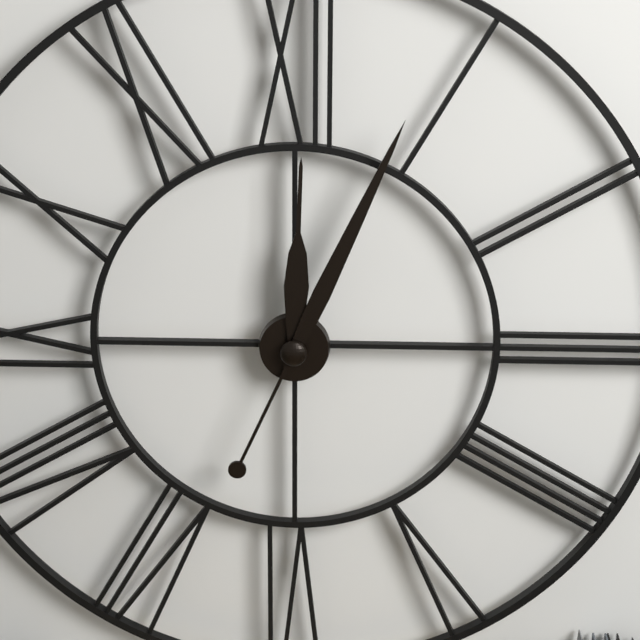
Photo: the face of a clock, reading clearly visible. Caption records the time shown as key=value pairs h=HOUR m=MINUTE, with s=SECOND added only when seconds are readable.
h=12 m=4
